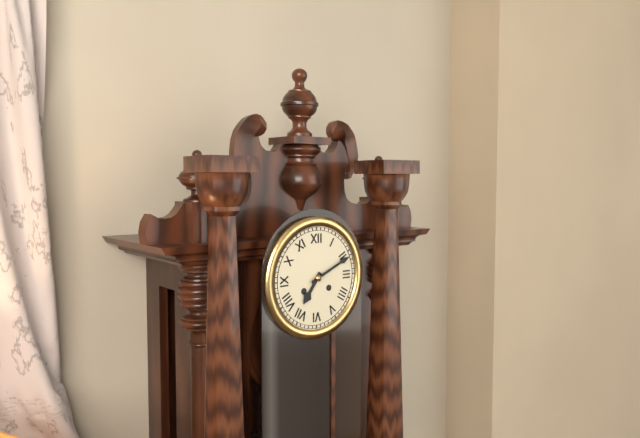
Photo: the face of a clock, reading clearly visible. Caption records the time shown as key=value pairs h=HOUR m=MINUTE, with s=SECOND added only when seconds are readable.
h=7 m=11
